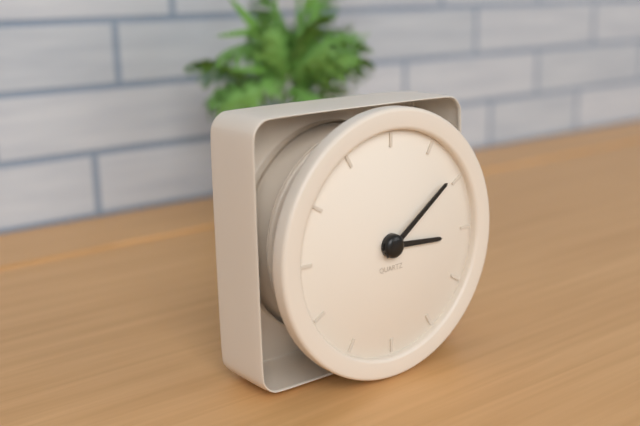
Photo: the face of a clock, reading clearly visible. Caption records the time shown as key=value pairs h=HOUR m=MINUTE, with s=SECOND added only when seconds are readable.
h=3 m=9
